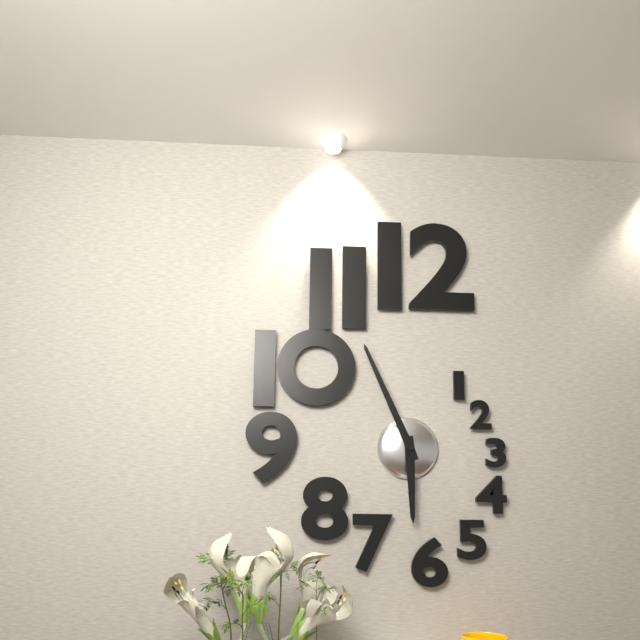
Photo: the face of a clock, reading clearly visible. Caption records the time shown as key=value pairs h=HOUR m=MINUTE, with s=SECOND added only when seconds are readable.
h=5 m=56
